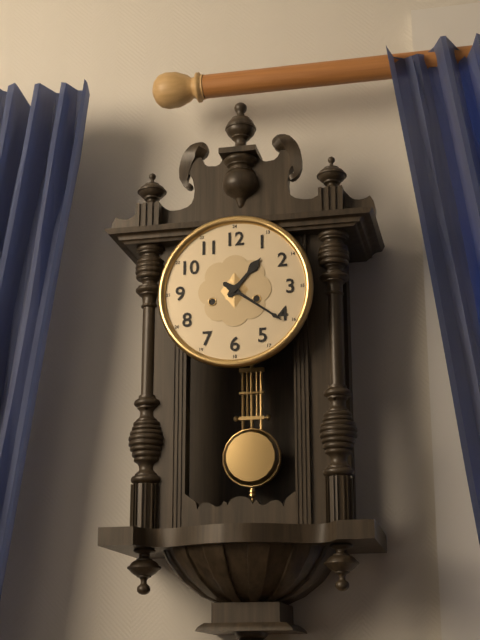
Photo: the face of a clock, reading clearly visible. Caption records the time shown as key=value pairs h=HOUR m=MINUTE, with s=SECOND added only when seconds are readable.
h=1 m=21
